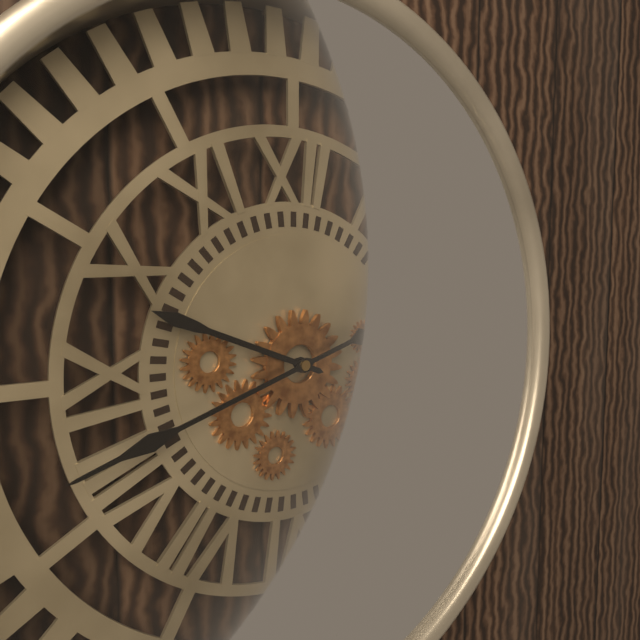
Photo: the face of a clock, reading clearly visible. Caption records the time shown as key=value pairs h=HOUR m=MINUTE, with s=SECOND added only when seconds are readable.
h=9 m=42
